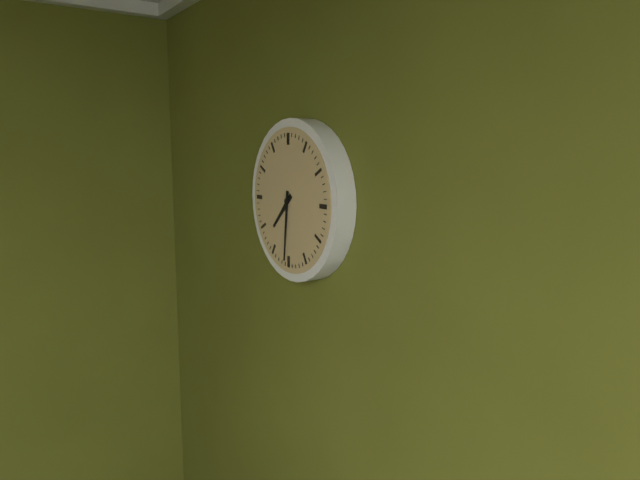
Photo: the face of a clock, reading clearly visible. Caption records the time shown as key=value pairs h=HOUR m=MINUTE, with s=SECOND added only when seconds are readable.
h=7 m=31
